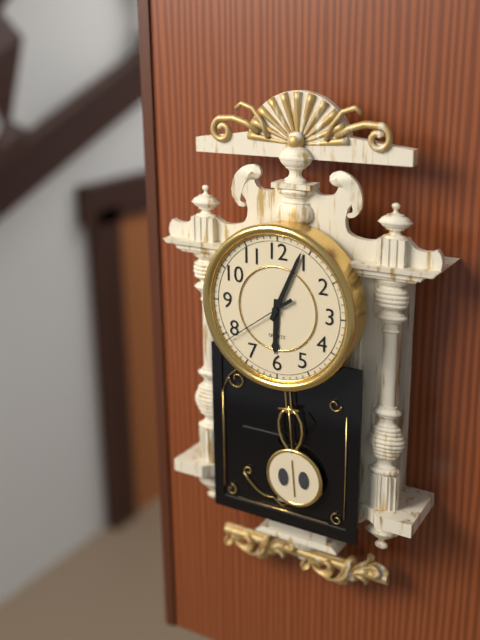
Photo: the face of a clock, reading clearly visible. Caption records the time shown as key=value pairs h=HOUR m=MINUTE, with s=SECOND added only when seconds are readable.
h=6 m=4 s=39
